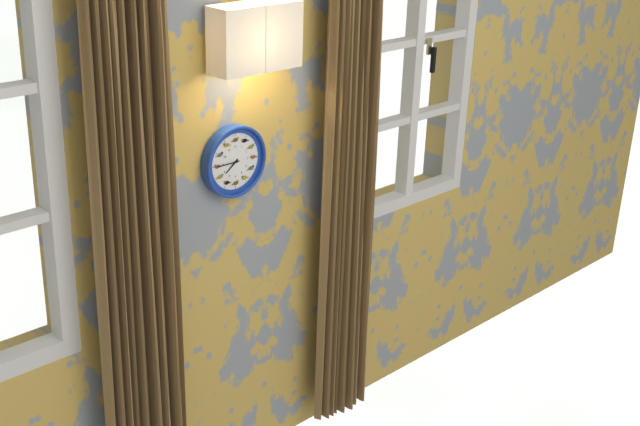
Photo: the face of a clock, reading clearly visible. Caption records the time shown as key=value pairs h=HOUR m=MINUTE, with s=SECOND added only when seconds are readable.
h=7 m=45
